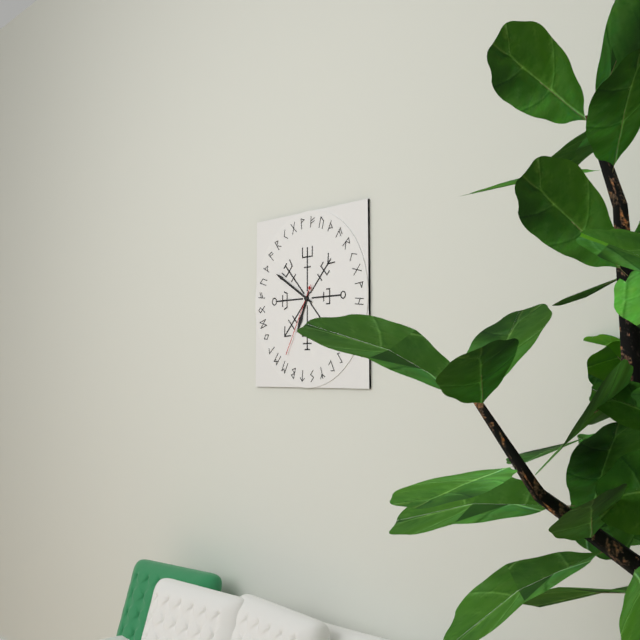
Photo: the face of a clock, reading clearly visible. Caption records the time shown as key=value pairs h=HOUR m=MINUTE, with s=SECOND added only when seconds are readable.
h=6 m=50 s=35
